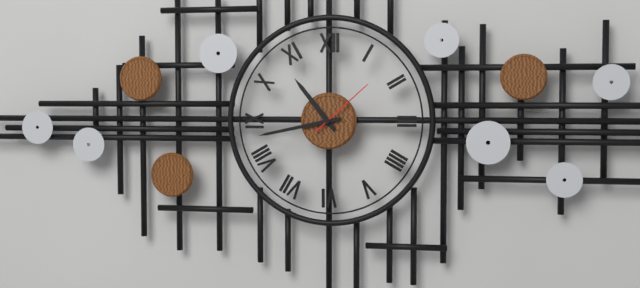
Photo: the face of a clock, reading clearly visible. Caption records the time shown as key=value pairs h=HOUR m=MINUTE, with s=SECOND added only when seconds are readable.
h=10 m=43 s=8
